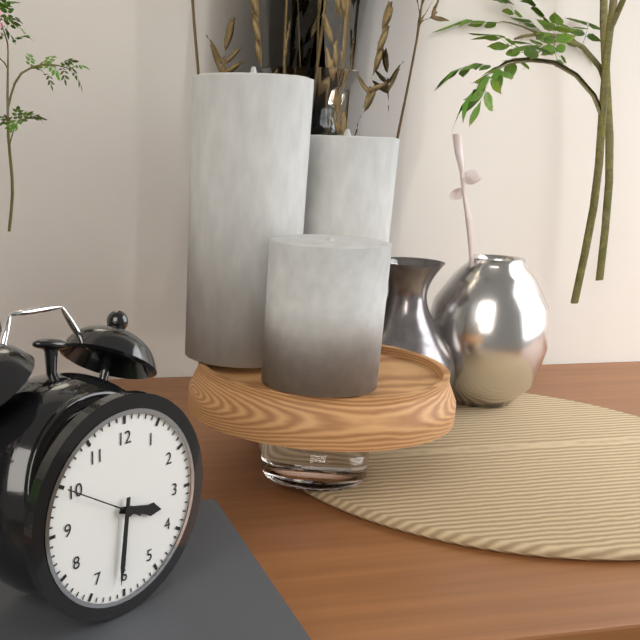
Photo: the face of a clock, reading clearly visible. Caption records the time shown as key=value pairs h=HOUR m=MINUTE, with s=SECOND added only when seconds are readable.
h=3 m=31 s=50
